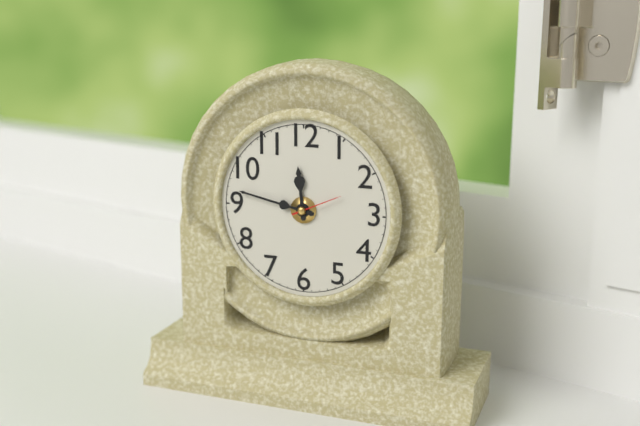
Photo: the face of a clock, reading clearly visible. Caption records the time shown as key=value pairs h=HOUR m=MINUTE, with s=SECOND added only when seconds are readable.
h=11 m=47 s=11
